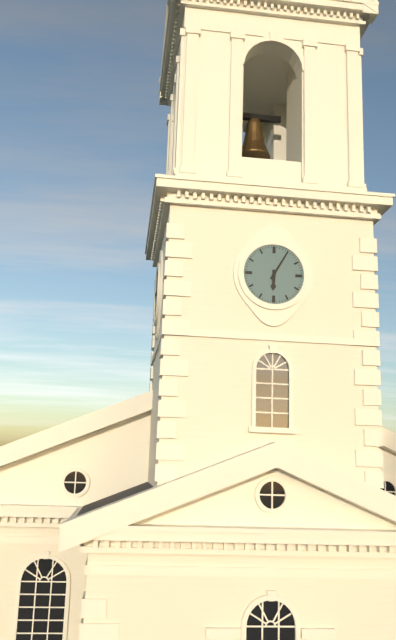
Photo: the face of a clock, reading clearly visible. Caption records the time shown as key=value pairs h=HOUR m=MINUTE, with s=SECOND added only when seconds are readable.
h=6 m=5
